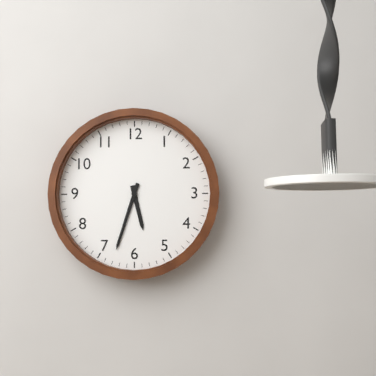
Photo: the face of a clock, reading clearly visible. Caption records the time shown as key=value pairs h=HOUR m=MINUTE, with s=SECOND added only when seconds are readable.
h=5 m=33
